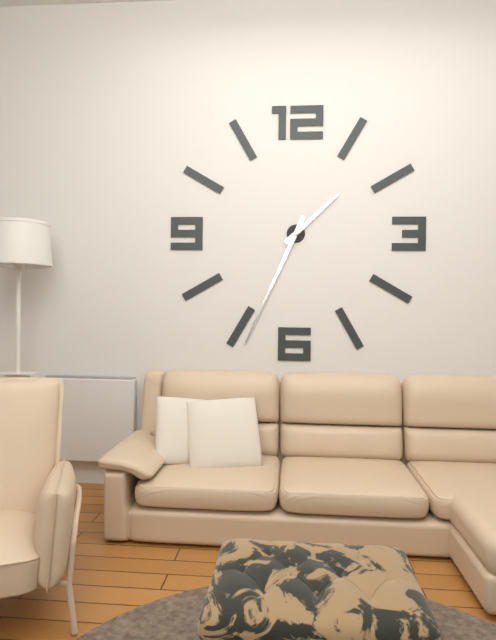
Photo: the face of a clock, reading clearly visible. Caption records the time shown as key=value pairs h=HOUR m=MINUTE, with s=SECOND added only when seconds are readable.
h=1 m=34
